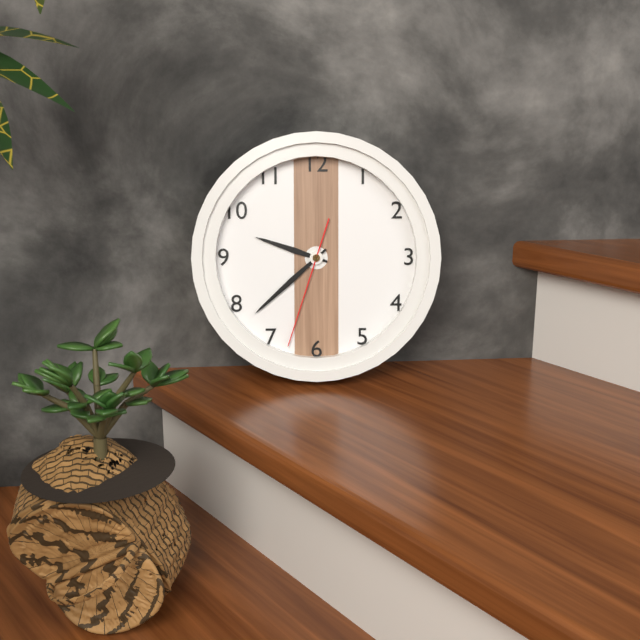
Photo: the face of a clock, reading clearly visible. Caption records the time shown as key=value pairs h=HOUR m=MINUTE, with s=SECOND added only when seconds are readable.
h=9 m=38 s=33
